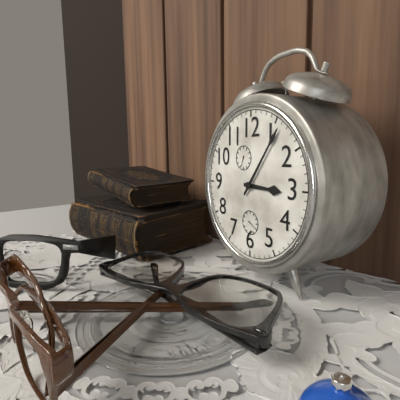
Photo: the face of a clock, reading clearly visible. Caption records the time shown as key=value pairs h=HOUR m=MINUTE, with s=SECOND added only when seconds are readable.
h=3 m=6
